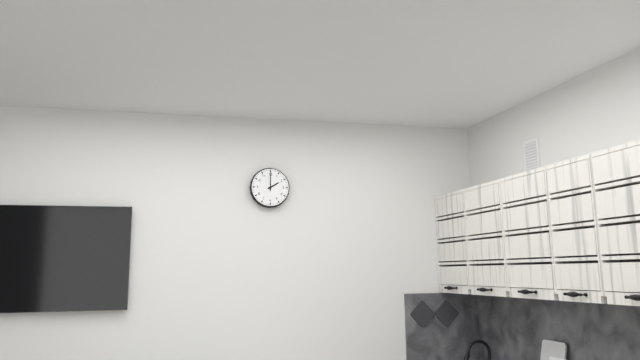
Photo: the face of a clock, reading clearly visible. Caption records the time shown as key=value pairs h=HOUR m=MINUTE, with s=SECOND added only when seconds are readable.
h=2 m=0
